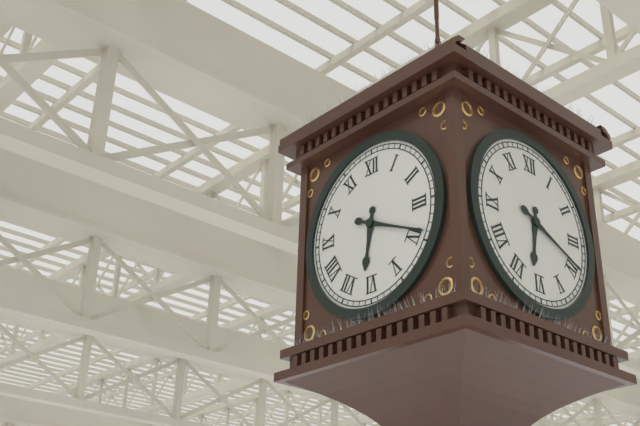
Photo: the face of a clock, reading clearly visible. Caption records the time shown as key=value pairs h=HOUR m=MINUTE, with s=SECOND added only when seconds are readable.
h=6 m=19
